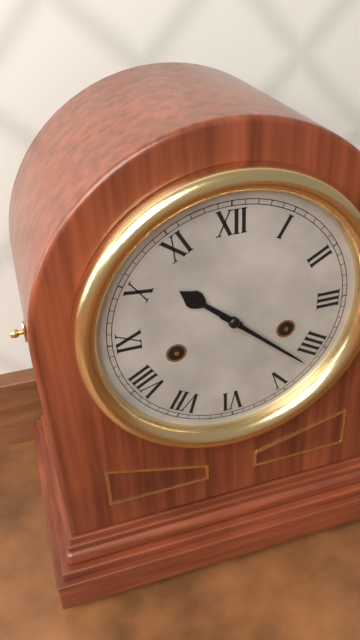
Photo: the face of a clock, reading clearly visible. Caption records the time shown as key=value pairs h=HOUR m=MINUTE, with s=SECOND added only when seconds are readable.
h=10 m=22
